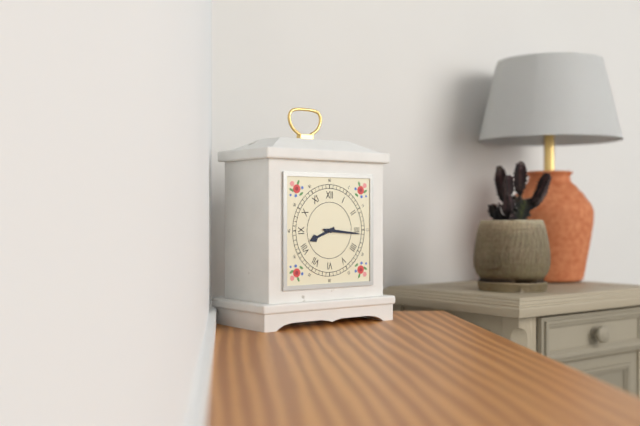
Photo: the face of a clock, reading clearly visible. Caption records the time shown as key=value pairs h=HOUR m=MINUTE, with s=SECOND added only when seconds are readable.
h=8 m=16
